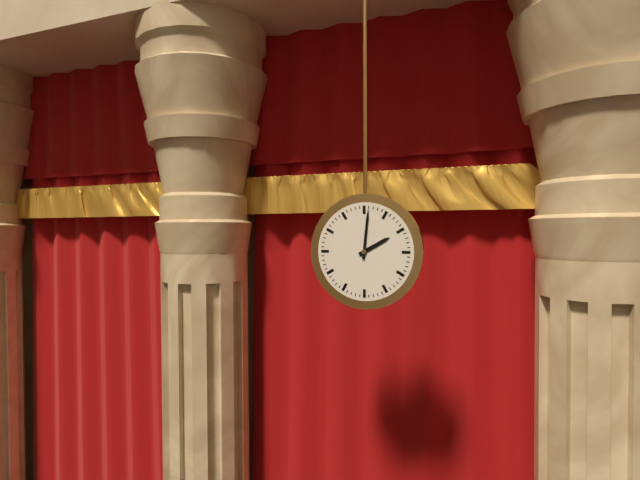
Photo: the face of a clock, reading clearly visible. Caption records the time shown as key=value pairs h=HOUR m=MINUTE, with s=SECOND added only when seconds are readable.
h=2 m=1
